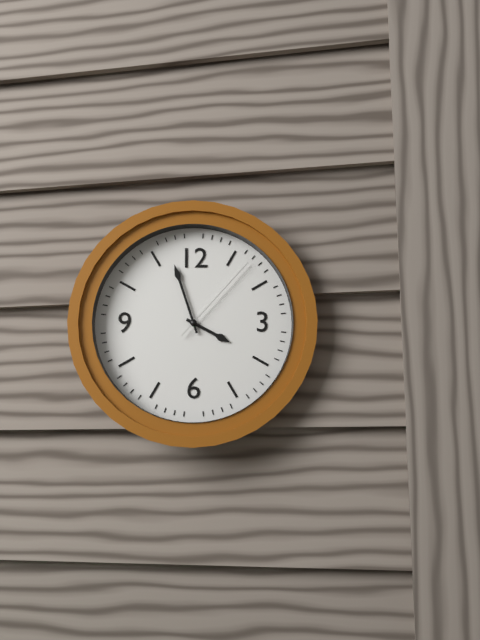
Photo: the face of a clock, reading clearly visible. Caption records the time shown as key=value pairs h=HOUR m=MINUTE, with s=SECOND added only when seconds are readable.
h=3 m=57 s=7
